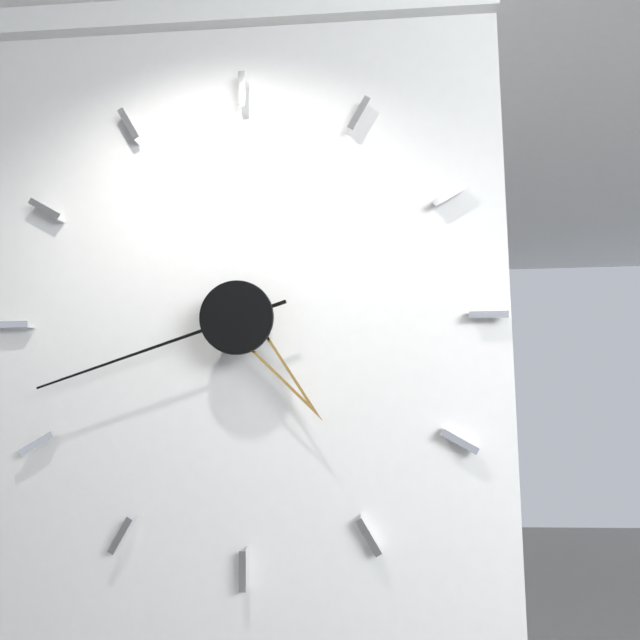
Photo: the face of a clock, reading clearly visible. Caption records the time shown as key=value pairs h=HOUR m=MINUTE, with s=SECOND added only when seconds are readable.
h=4 m=42
